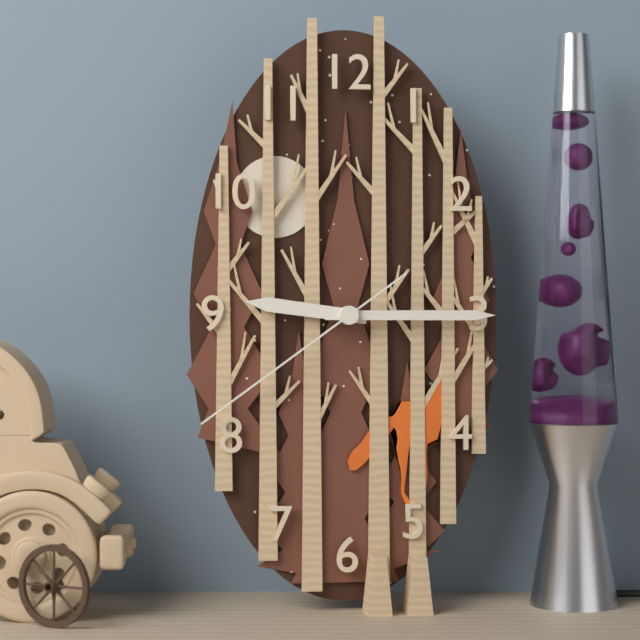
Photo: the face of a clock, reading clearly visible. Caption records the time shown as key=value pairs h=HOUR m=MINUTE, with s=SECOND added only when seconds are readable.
h=9 m=15 s=39
